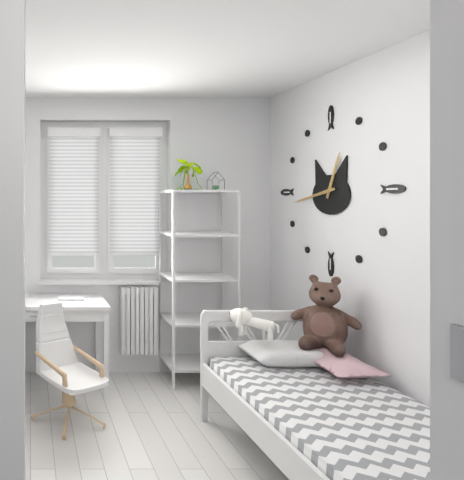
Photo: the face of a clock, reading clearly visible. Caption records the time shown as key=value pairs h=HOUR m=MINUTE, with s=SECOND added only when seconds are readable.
h=12 m=43
